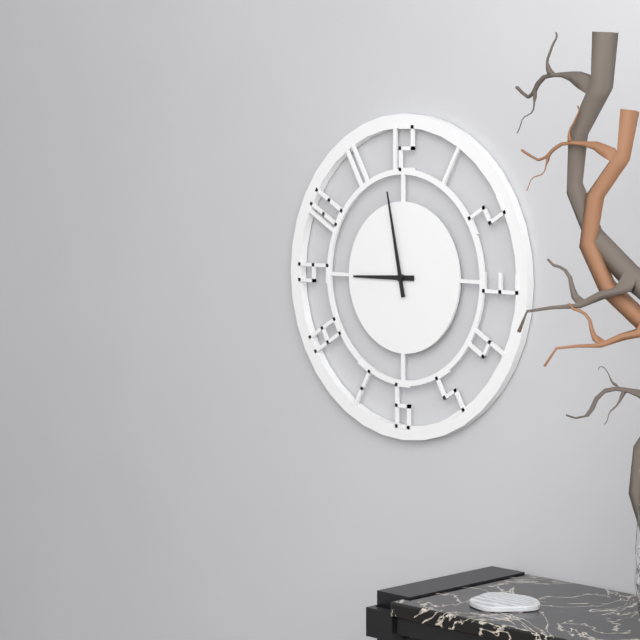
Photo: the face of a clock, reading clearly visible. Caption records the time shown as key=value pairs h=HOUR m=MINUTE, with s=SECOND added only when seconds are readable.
h=8 m=58
